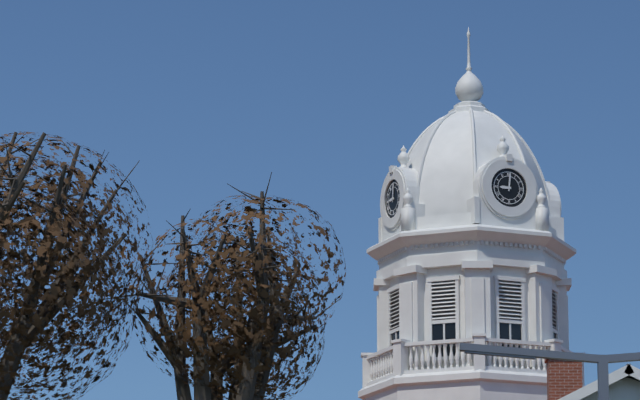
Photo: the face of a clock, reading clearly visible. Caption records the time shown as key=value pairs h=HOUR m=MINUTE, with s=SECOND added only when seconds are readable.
h=9 m=1
